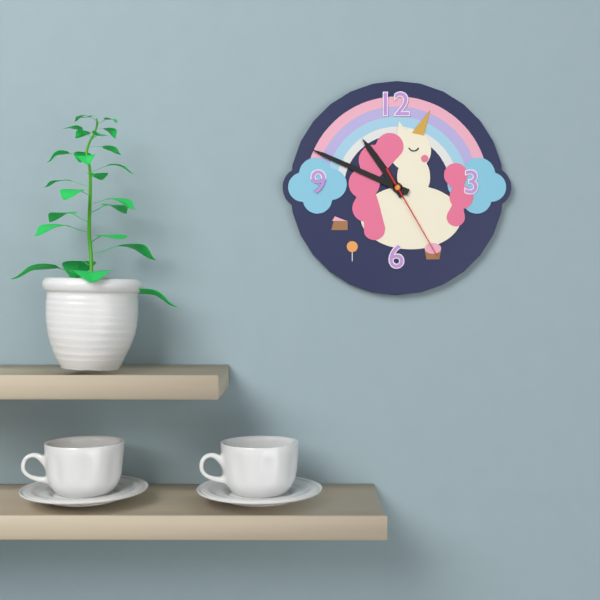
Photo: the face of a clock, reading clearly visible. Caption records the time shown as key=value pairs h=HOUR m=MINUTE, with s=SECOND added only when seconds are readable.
h=10 m=49 s=25
